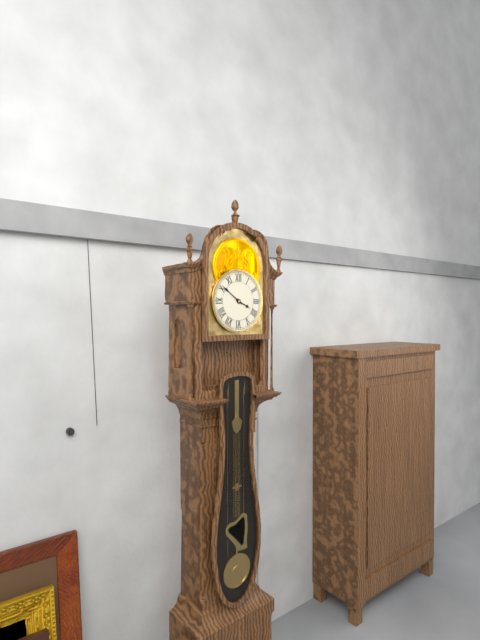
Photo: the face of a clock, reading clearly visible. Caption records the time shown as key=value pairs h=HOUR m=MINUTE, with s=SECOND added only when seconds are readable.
h=3 m=51
